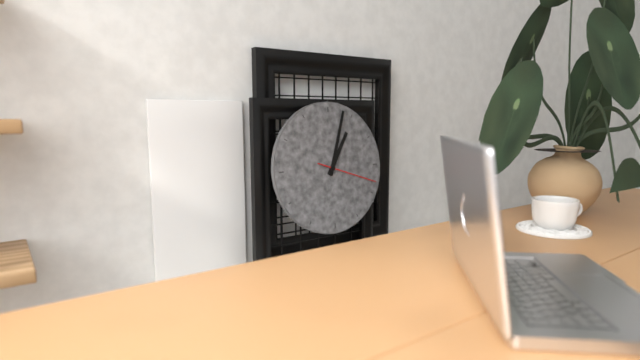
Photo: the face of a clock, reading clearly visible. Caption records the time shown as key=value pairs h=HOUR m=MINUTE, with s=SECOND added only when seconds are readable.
h=1 m=3 s=18
